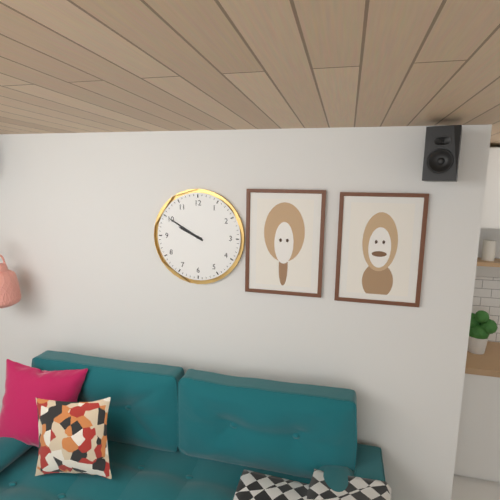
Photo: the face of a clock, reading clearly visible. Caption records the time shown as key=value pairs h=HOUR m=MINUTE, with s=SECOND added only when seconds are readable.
h=9 m=50
